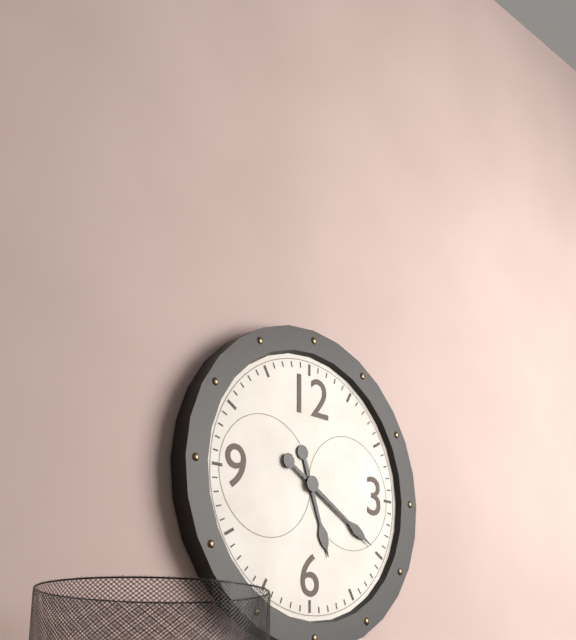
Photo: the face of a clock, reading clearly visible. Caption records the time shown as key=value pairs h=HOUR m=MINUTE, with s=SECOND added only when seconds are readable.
h=5 m=20
